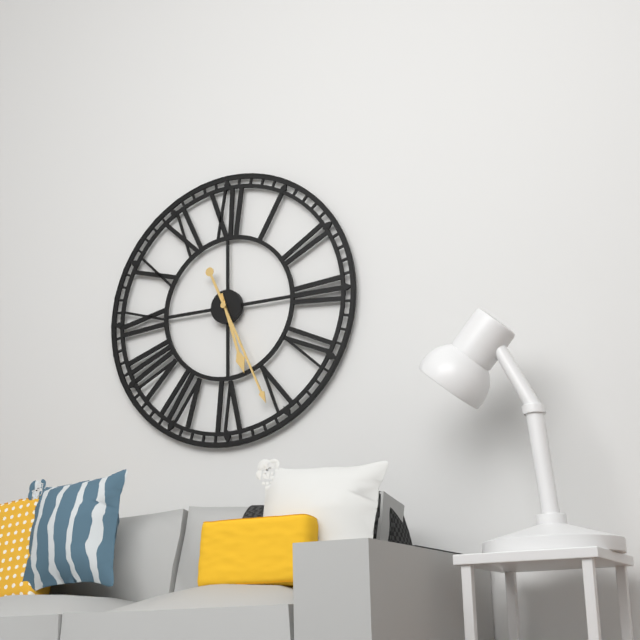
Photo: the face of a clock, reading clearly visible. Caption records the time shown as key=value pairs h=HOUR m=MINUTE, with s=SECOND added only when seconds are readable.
h=5 m=26
